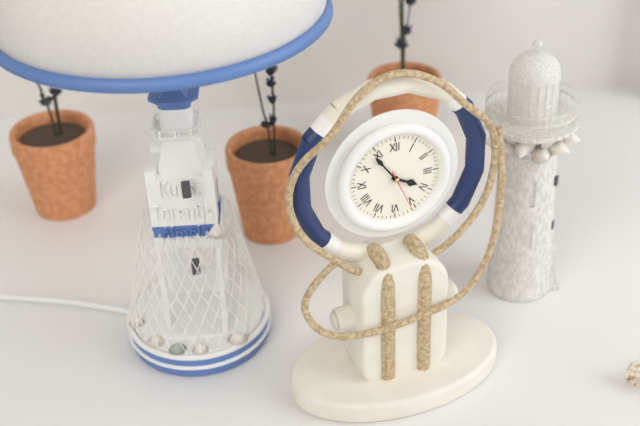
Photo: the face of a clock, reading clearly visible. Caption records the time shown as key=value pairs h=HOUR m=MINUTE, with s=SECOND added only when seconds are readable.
h=3 m=54
